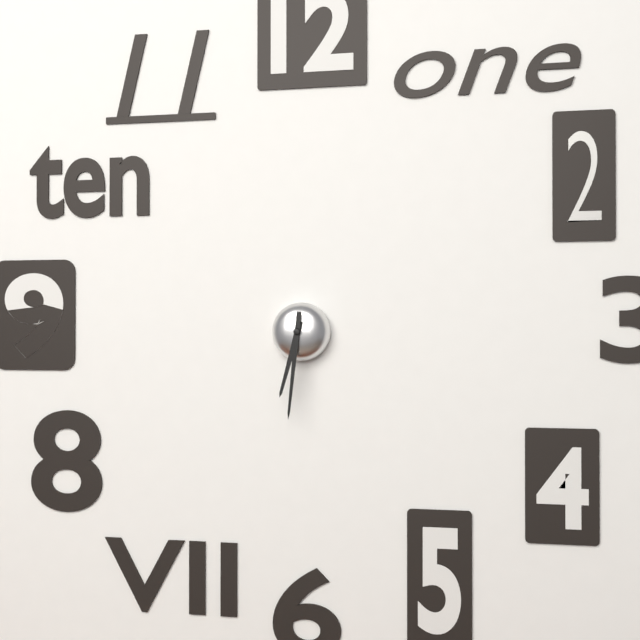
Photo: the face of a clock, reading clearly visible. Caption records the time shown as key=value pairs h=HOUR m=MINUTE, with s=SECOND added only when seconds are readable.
h=6 m=31
